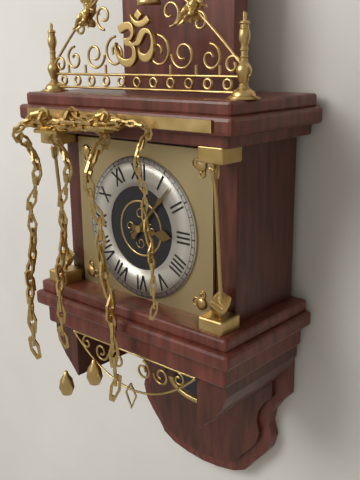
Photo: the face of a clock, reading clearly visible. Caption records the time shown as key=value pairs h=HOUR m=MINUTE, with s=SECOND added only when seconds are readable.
h=3 m=7
